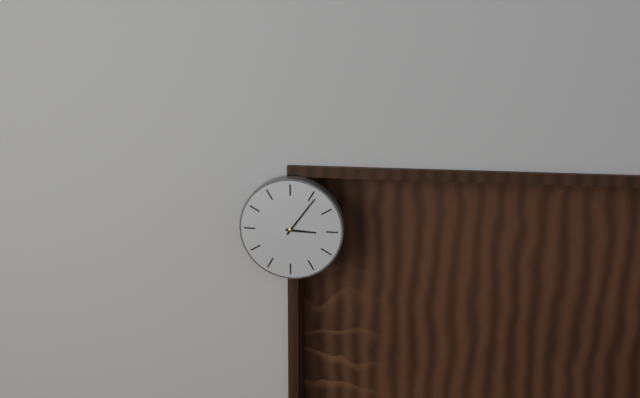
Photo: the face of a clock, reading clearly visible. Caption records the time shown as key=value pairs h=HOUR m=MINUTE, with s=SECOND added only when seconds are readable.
h=3 m=6
